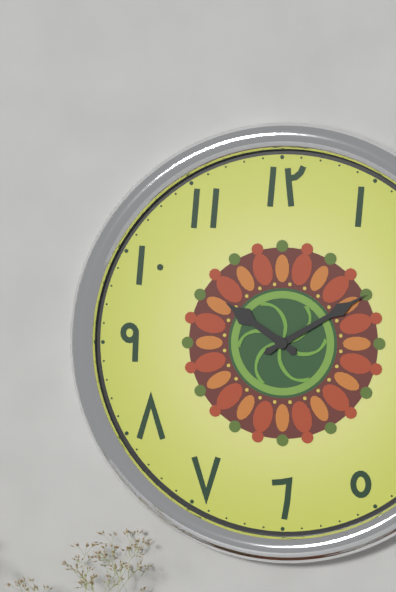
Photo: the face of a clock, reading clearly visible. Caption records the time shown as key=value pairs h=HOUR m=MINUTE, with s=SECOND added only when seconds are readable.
h=10 m=10
